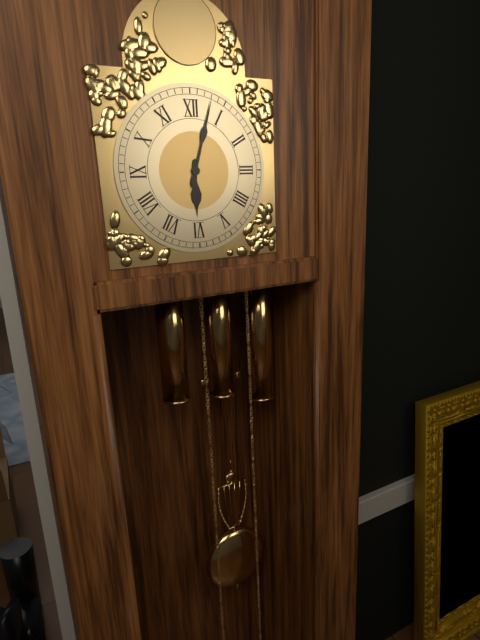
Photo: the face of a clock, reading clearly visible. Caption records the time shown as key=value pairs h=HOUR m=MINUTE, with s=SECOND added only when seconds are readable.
h=6 m=3
